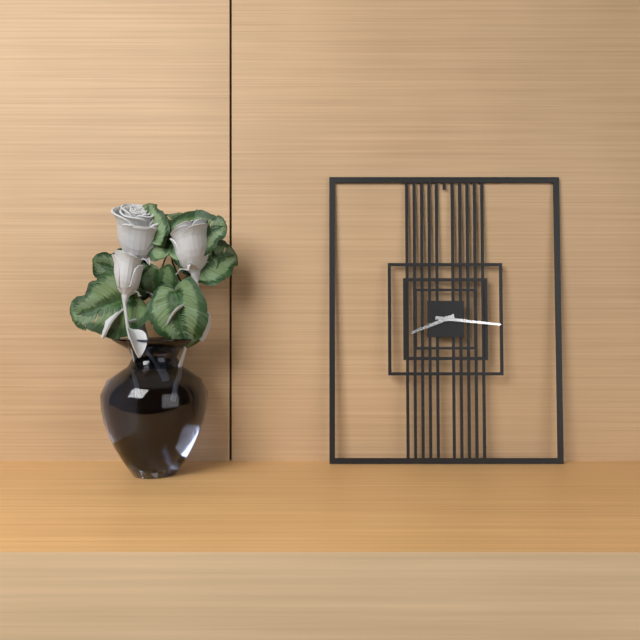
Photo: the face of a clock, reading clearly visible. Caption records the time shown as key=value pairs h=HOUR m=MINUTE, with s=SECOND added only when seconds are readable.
h=8 m=16
